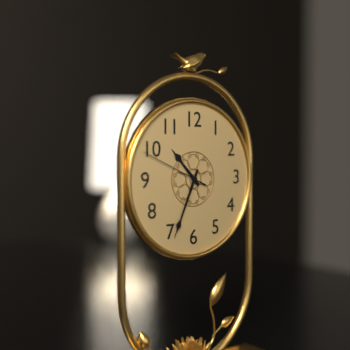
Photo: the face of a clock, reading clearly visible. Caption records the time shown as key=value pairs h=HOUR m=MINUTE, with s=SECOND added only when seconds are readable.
h=10 m=34 s=49
